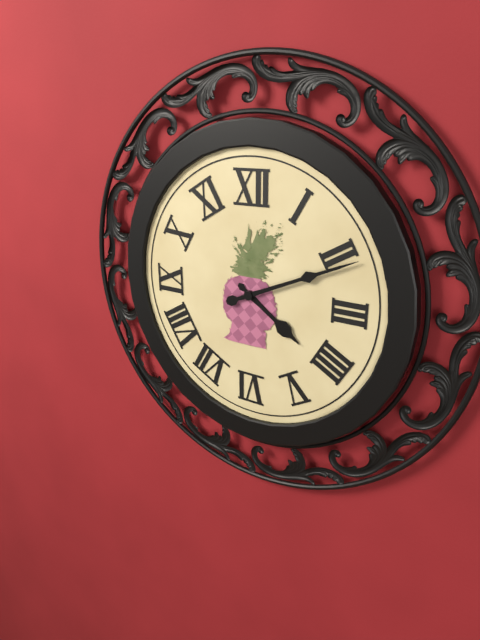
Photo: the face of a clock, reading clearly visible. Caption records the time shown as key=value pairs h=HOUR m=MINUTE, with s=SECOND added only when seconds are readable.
h=4 m=11
